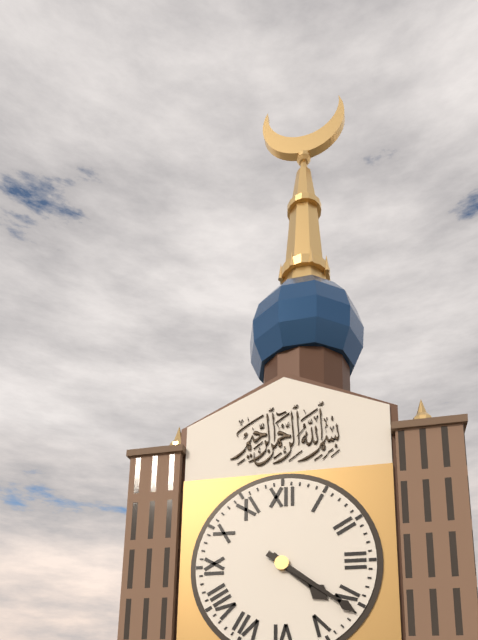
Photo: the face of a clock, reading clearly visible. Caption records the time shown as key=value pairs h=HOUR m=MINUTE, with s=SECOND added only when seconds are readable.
h=4 m=21
